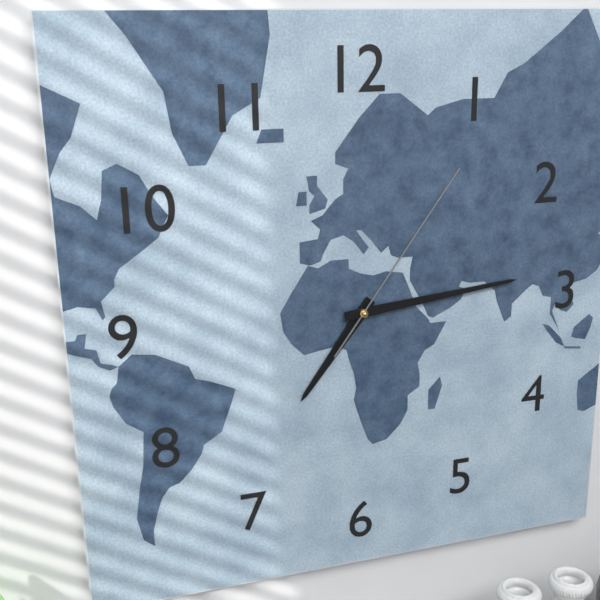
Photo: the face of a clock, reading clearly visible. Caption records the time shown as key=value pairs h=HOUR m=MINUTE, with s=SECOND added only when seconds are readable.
h=7 m=14 s=6
